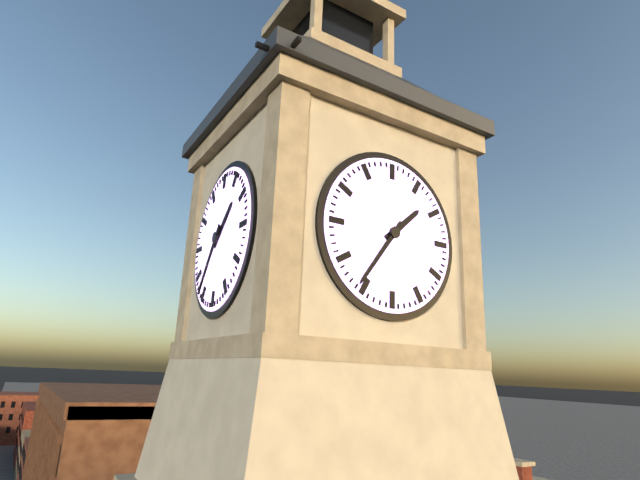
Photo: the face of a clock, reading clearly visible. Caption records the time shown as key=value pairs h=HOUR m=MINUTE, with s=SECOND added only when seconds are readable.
h=1 m=36
